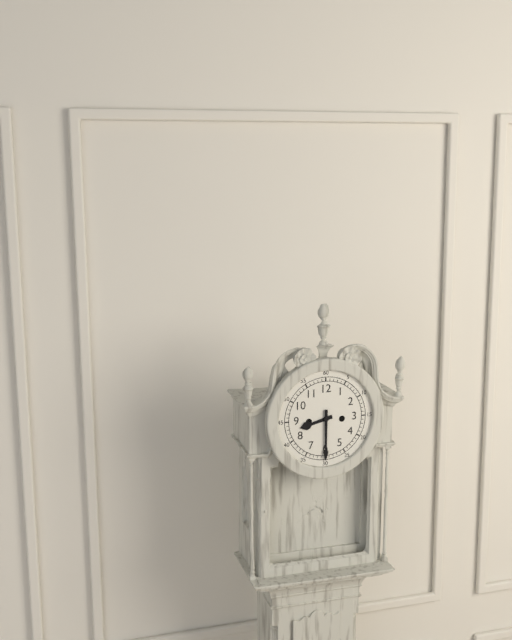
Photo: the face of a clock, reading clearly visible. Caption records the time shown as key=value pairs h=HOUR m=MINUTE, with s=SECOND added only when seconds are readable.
h=8 m=30
